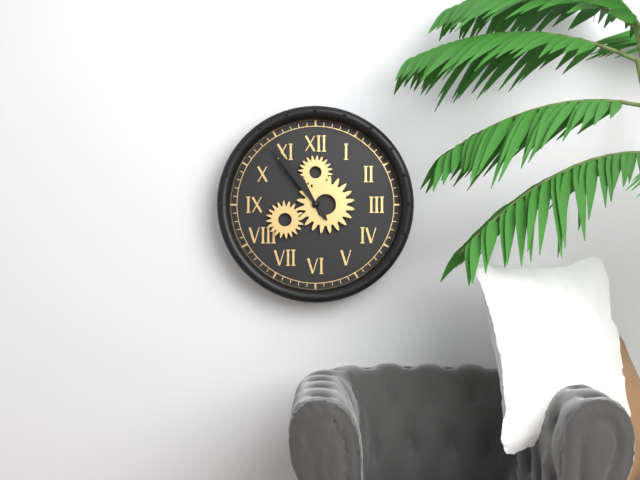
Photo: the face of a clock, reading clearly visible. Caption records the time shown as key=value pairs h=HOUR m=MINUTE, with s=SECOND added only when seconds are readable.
h=10 m=54
